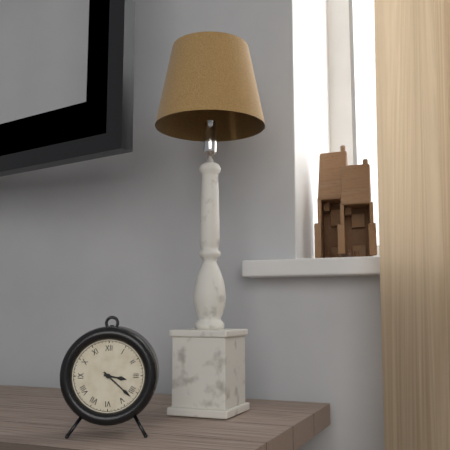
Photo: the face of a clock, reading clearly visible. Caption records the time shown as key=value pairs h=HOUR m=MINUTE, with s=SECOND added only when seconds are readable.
h=3 m=22
